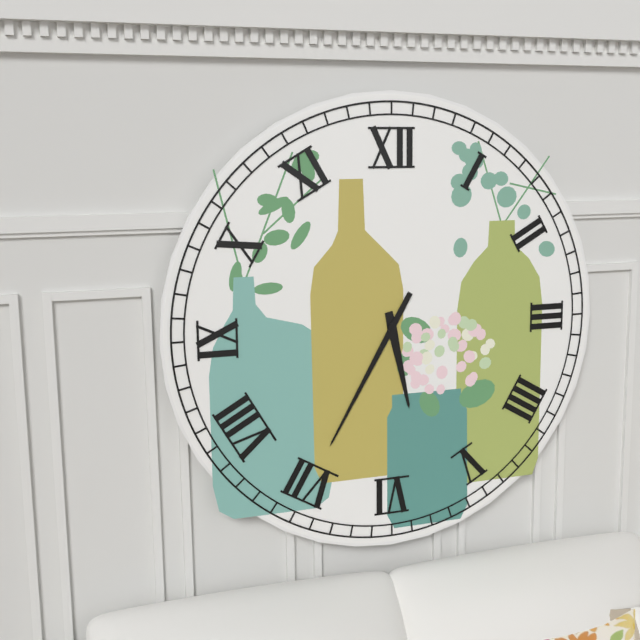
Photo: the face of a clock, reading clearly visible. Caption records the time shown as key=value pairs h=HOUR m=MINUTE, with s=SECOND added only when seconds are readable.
h=5 m=35
